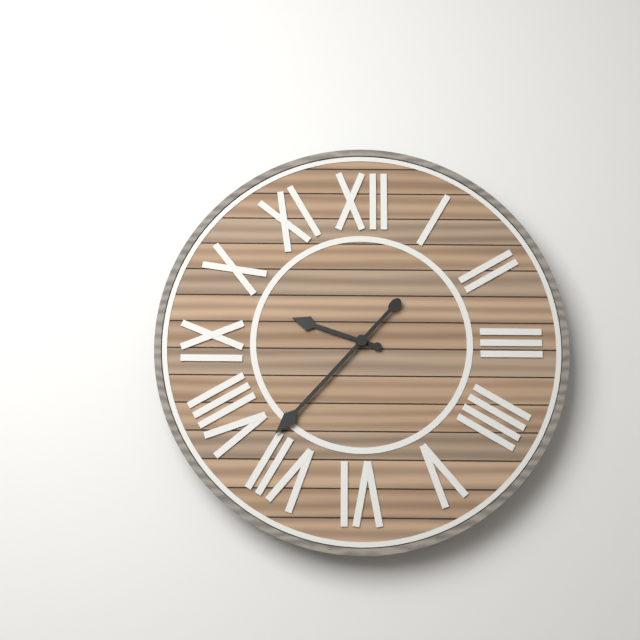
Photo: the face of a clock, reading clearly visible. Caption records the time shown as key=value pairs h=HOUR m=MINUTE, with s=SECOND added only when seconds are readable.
h=9 m=37
